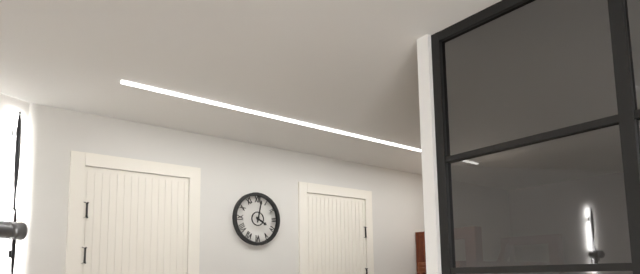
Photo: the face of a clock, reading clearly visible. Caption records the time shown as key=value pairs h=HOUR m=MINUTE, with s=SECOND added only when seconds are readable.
h=4 m=2
